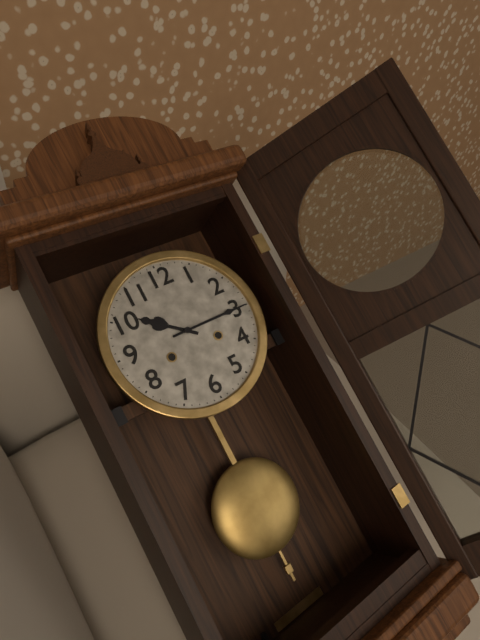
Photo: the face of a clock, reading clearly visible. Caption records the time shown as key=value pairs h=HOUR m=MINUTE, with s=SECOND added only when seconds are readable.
h=10 m=15
